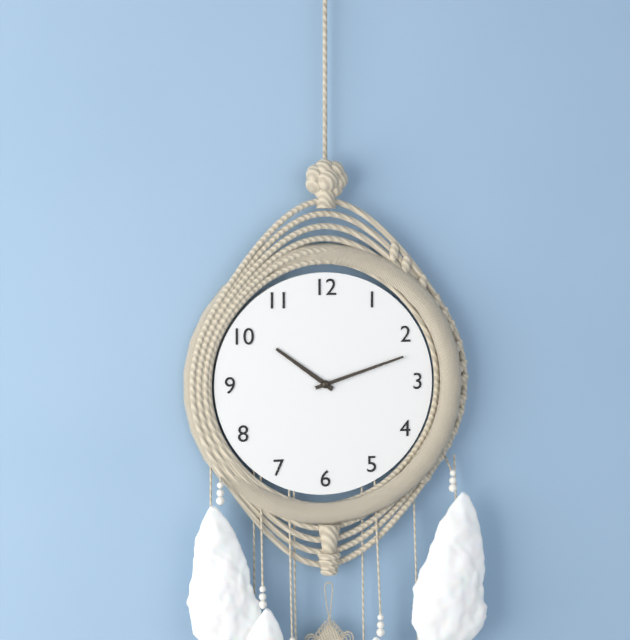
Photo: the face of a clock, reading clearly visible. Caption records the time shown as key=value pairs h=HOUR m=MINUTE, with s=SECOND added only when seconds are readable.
h=10 m=12
